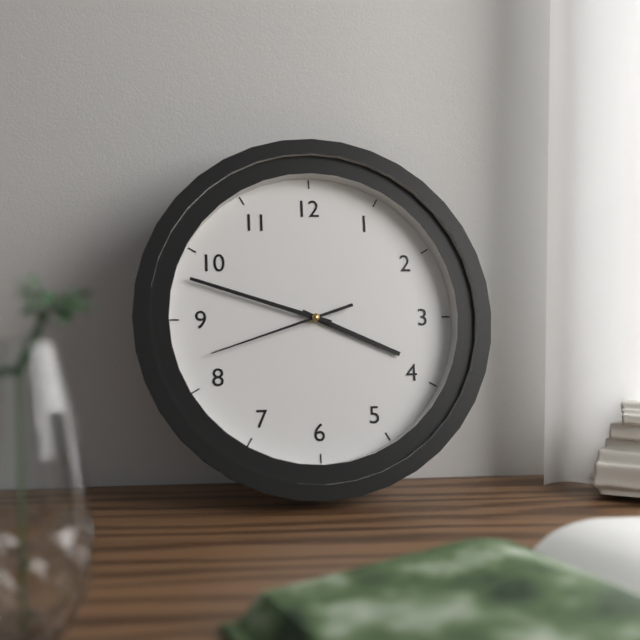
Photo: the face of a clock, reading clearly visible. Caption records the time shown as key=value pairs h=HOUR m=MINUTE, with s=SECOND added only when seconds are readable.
h=3 m=48 s=42
